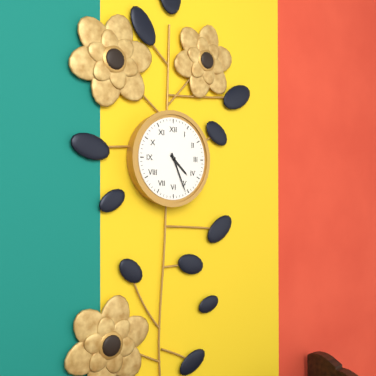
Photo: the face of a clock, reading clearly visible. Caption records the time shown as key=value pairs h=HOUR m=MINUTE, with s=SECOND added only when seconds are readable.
h=4 m=26
